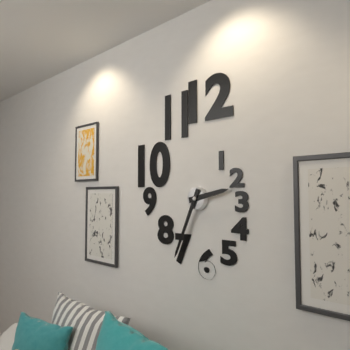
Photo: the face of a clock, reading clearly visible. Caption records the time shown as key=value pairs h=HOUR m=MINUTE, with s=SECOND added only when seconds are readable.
h=2 m=34
